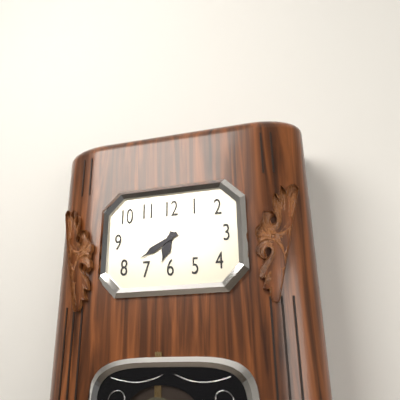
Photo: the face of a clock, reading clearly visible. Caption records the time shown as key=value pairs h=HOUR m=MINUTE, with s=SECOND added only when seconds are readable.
h=6 m=40
